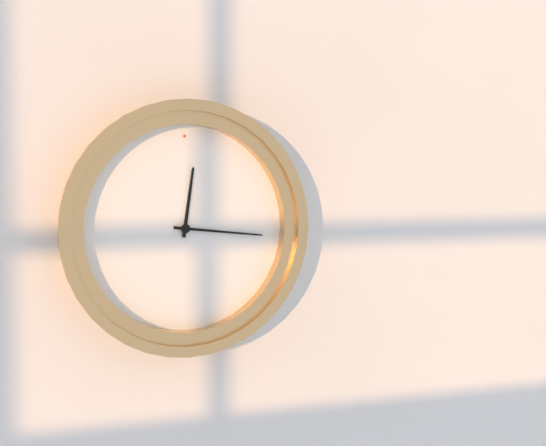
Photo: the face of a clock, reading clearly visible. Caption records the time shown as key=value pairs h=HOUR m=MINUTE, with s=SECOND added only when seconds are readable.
h=12 m=16
